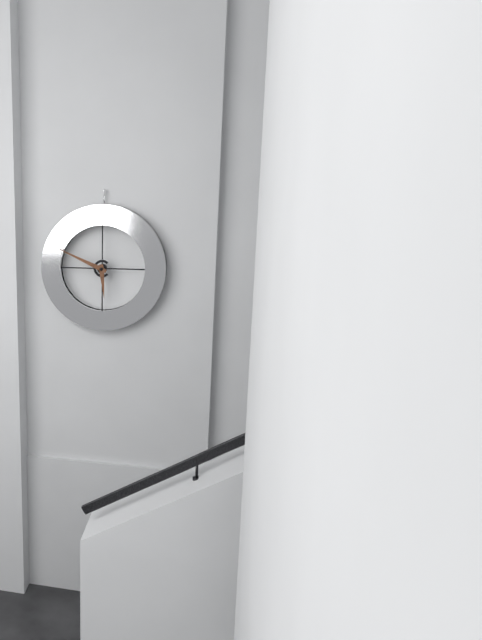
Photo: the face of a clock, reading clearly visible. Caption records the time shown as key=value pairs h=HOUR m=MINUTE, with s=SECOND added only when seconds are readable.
h=5 m=49
